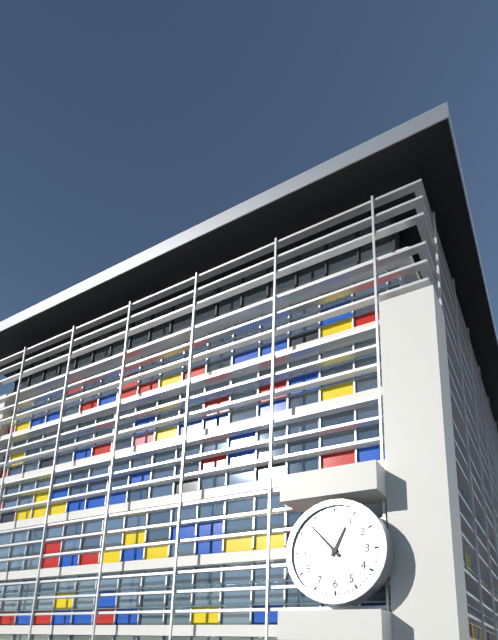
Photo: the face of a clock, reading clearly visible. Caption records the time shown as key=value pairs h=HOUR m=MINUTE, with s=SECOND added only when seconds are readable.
h=12 m=53
